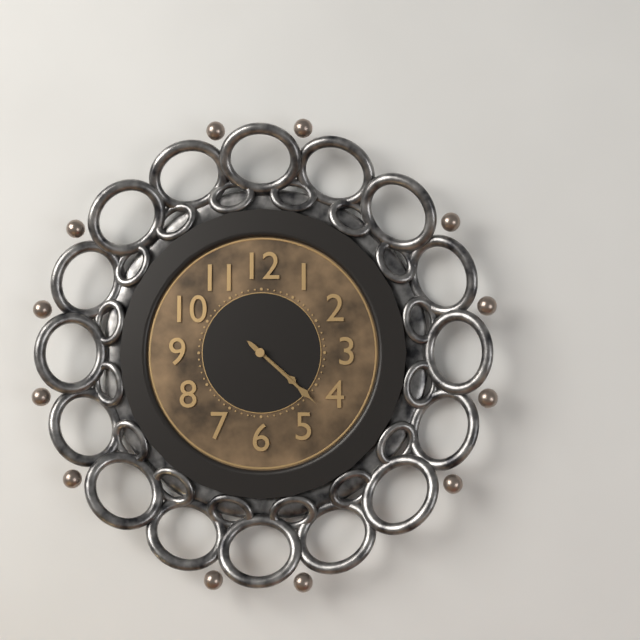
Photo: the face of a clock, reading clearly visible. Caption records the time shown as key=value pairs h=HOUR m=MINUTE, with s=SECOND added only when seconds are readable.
h=4 m=22
